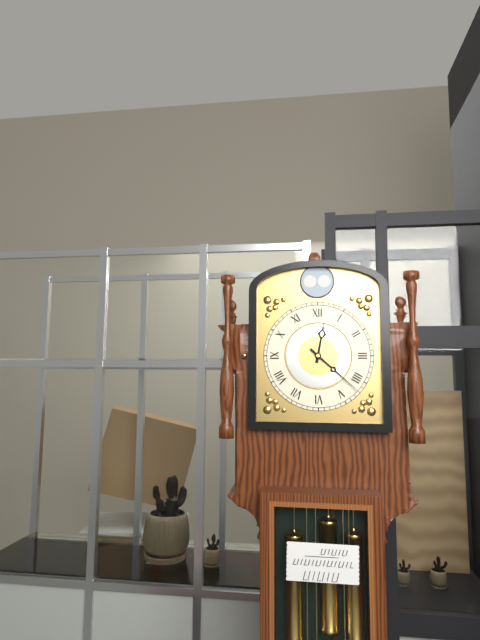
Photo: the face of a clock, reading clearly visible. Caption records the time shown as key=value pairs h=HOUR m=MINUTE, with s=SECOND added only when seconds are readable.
h=12 m=22
